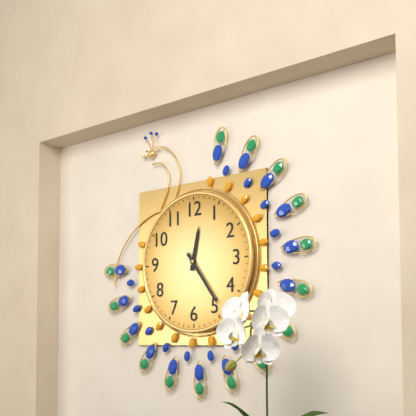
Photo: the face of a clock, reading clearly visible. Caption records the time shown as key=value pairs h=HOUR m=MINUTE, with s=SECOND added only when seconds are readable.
h=12 m=24
